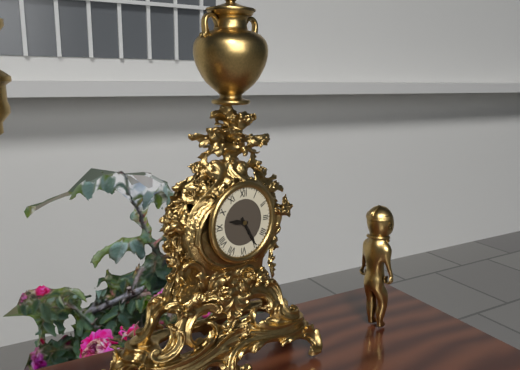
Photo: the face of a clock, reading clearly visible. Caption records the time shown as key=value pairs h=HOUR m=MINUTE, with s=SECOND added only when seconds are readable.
h=9 m=25
